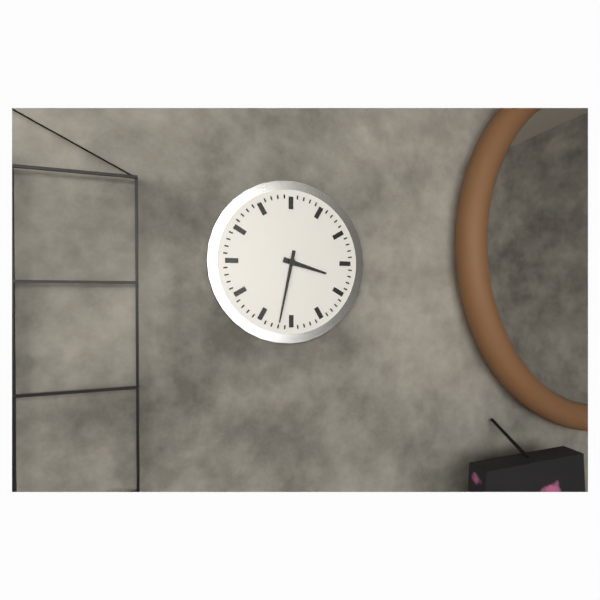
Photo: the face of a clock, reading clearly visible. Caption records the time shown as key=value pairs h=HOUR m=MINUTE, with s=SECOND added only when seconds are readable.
h=3 m=32
